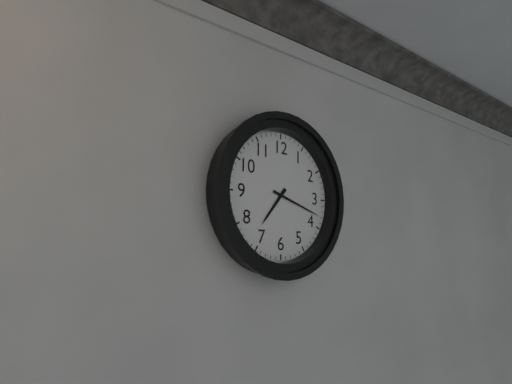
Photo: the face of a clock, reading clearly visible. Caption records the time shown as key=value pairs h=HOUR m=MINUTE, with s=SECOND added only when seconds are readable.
h=7 m=18
